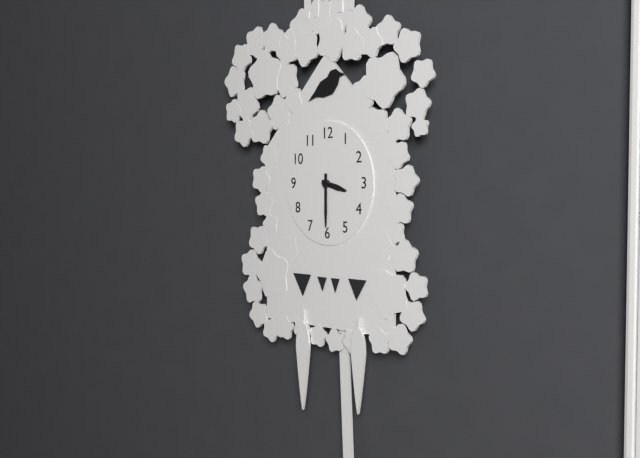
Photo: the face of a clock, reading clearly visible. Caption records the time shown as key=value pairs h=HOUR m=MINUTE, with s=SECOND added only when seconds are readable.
h=3 m=30
